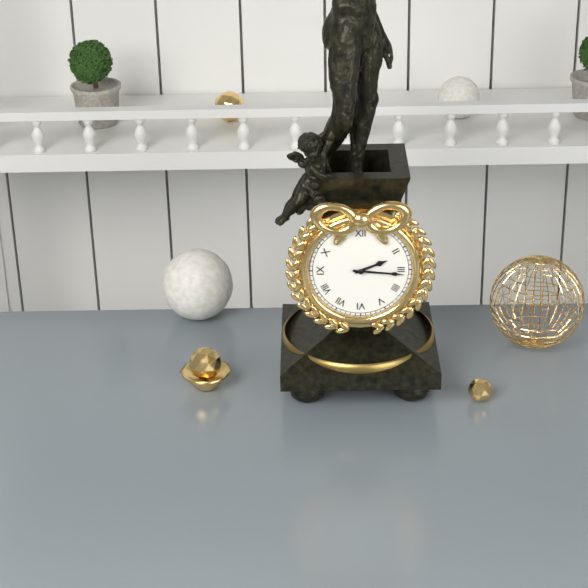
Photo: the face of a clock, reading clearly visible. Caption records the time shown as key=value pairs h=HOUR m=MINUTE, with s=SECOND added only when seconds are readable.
h=2 m=16
